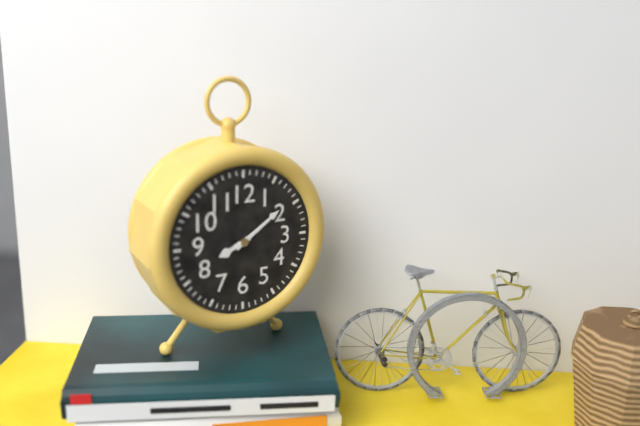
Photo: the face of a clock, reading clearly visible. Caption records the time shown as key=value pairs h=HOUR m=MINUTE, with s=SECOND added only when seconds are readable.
h=8 m=9
